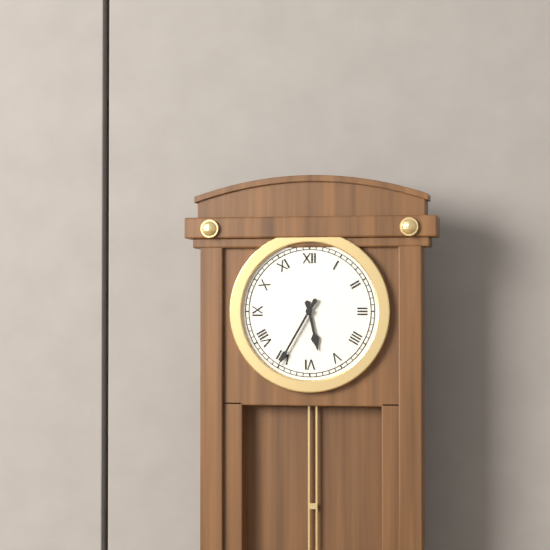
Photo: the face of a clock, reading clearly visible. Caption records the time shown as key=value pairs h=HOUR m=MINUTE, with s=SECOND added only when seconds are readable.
h=5 m=35
